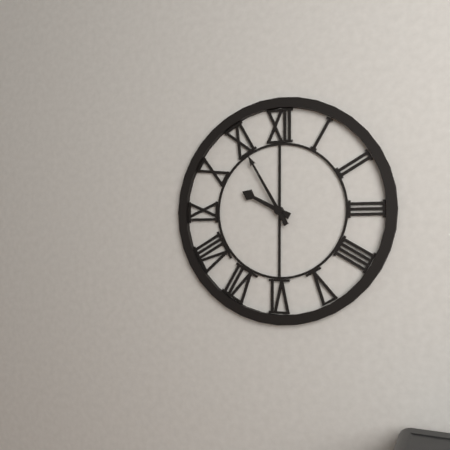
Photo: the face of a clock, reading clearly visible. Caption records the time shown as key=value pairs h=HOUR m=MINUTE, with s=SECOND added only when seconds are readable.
h=9 m=55
